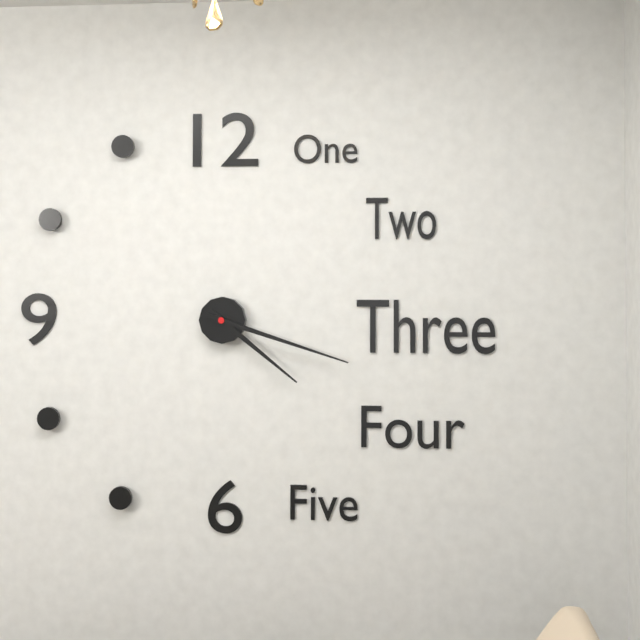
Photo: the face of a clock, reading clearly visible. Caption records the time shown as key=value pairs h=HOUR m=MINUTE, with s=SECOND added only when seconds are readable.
h=4 m=18
